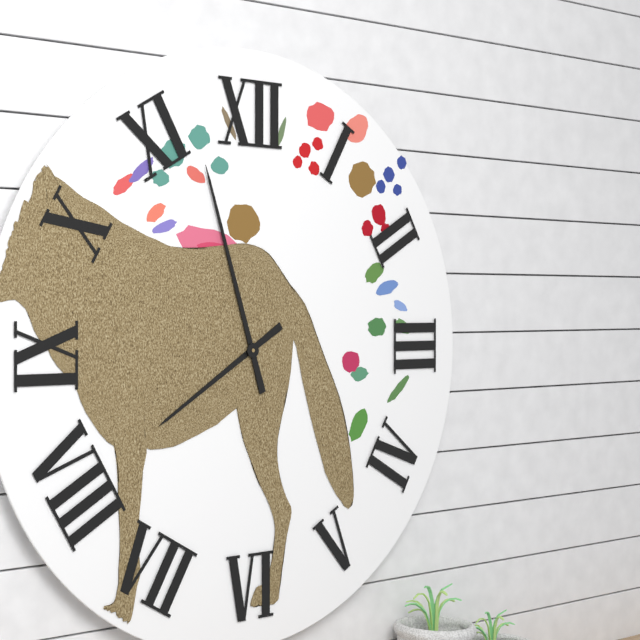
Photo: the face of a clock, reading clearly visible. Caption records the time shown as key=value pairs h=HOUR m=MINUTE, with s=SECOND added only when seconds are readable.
h=7 m=57
